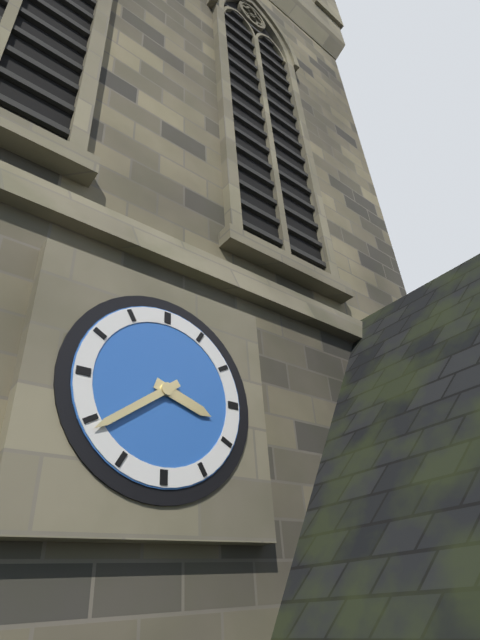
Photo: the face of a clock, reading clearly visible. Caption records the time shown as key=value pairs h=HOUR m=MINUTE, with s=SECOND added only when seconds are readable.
h=3 m=39
